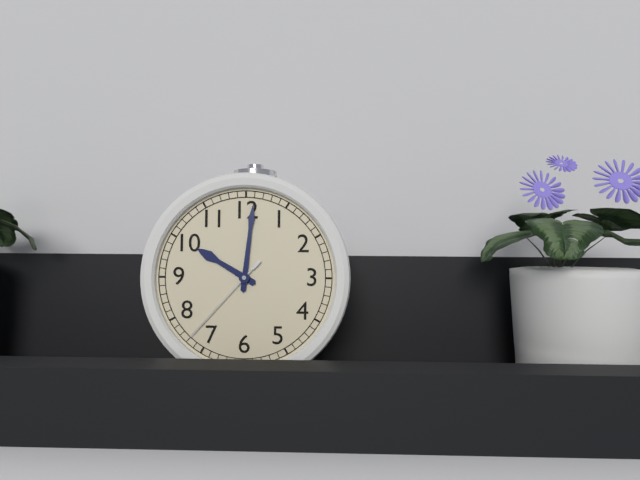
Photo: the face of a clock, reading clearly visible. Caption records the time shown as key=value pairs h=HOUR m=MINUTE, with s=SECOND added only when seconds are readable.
h=10 m=1 s=37
